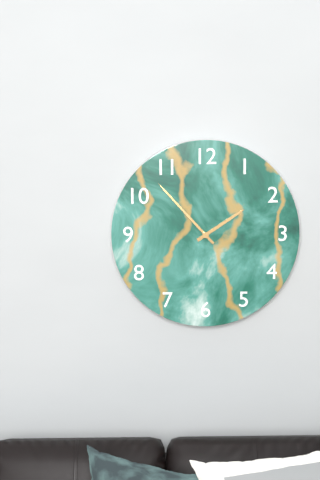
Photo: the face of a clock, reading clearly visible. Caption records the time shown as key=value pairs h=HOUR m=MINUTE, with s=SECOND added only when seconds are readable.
h=1 m=53
